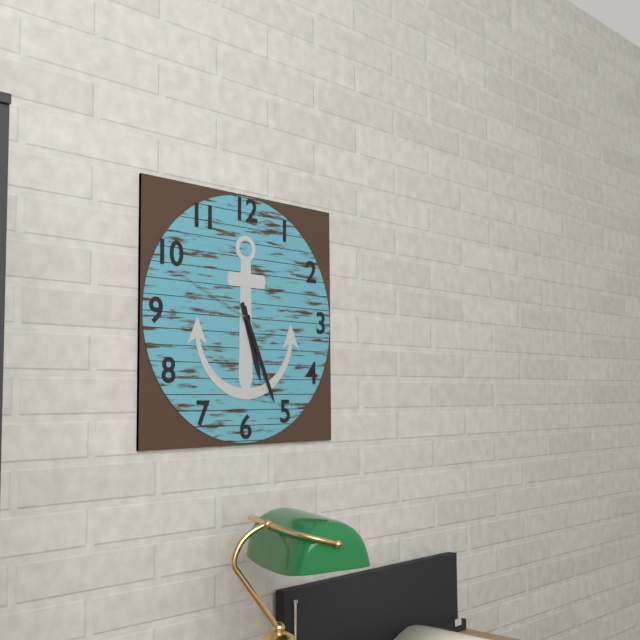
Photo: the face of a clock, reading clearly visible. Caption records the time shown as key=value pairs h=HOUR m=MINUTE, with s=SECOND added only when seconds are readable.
h=5 m=26 s=49
